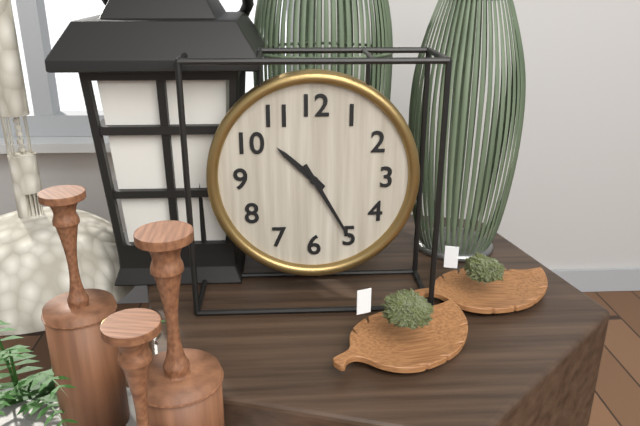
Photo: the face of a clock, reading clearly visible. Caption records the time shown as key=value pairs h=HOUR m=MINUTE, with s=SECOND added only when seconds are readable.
h=10 m=25
